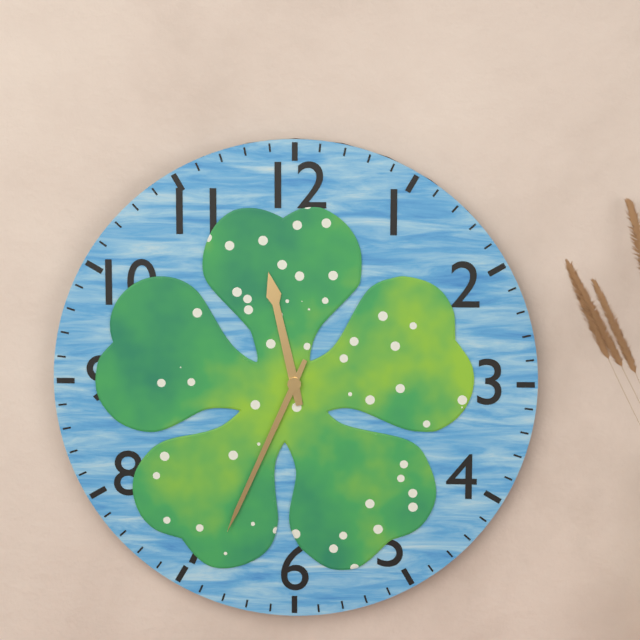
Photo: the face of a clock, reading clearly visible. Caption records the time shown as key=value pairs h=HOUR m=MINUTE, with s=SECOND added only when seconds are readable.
h=11 m=34
